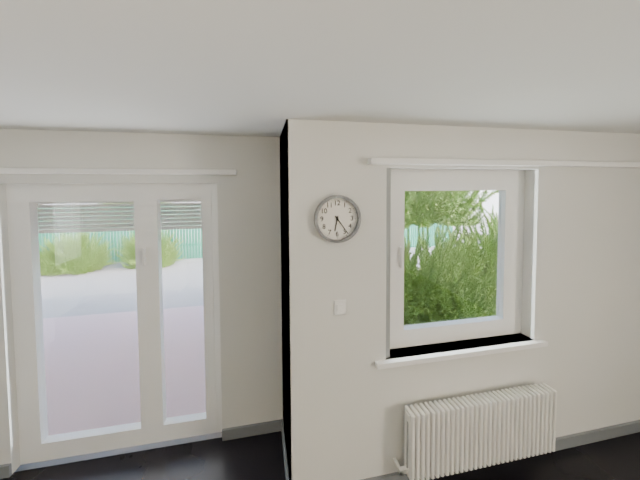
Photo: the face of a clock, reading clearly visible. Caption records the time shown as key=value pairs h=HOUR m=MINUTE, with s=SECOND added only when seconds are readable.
h=6 m=24
